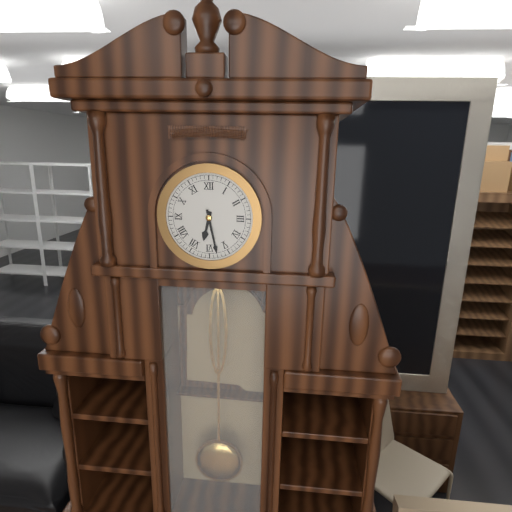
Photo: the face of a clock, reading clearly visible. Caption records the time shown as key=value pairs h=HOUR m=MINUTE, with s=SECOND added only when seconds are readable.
h=6 m=28
